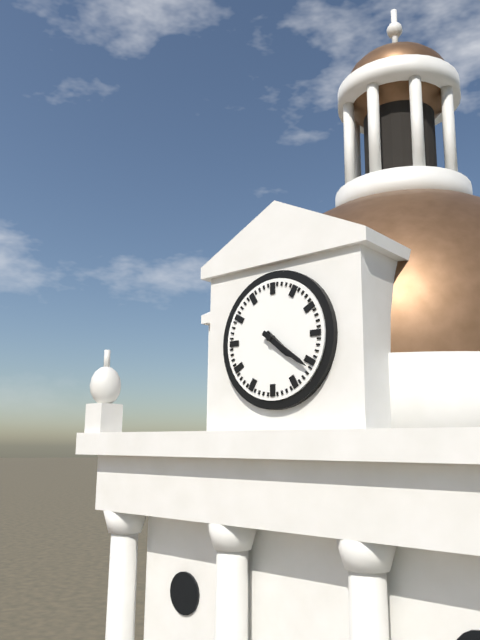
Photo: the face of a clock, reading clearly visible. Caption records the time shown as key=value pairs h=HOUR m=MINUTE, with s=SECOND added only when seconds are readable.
h=4 m=21
